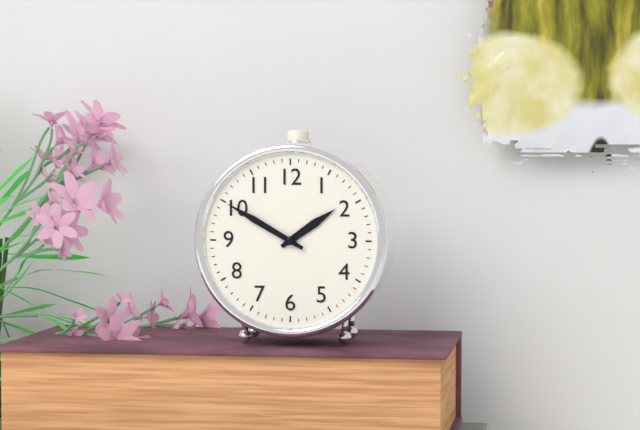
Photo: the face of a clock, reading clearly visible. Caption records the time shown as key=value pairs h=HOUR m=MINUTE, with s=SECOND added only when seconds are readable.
h=1 m=50
